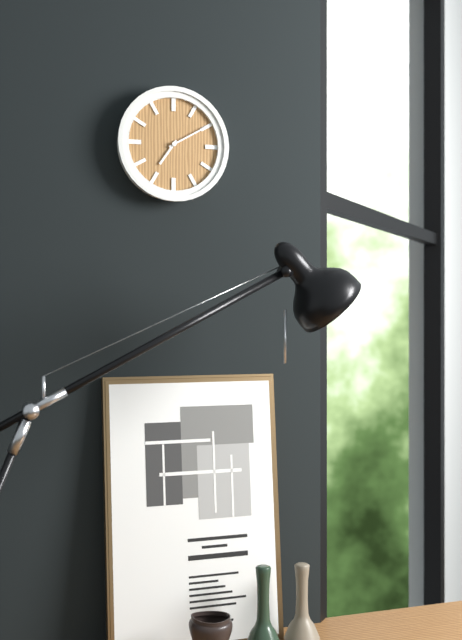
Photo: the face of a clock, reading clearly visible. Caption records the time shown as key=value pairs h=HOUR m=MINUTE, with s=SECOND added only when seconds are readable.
h=7 m=10
